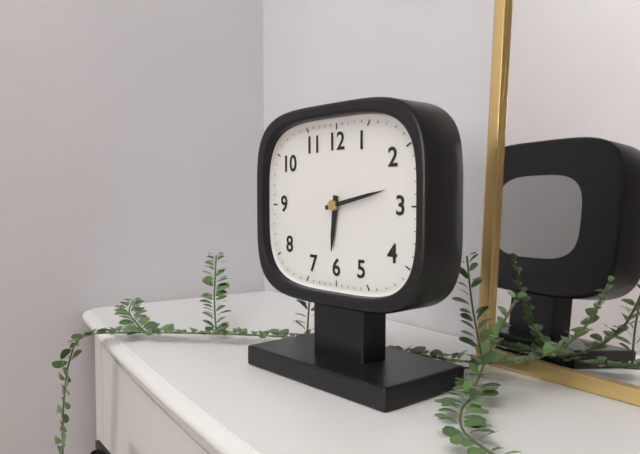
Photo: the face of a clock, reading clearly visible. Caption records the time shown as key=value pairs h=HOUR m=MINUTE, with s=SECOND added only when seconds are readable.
h=6 m=13
